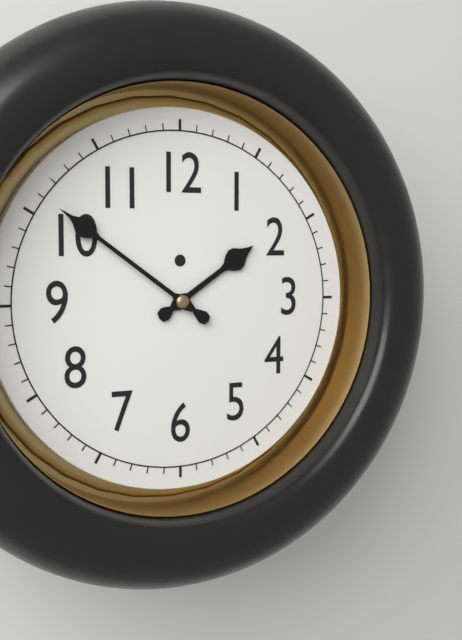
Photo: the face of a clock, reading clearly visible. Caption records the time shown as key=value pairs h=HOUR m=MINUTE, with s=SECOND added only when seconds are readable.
h=1 m=51
